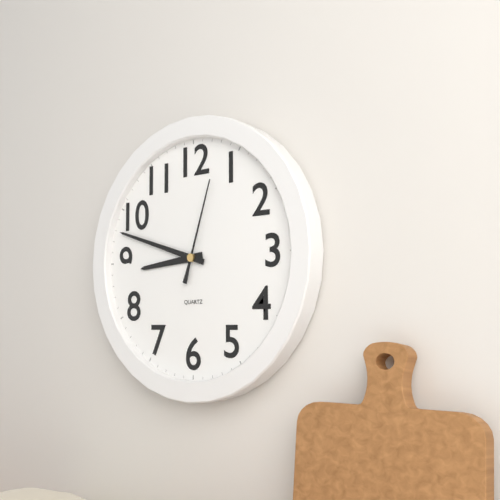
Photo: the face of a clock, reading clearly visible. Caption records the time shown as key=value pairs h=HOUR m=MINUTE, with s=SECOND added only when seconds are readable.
h=8 m=48 s=3
